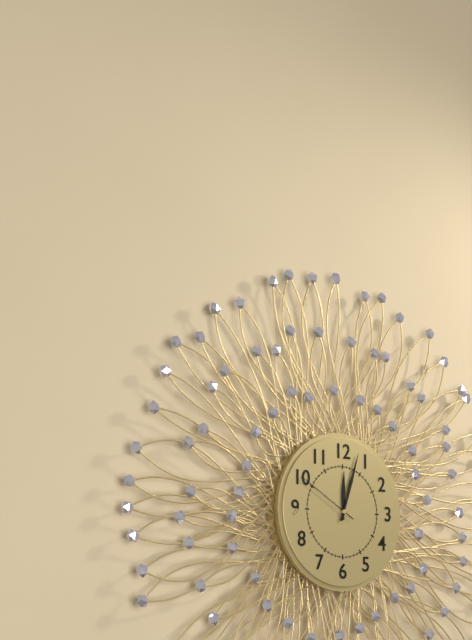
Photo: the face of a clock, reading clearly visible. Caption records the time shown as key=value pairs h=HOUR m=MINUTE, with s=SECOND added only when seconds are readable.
h=12 m=3 s=50
